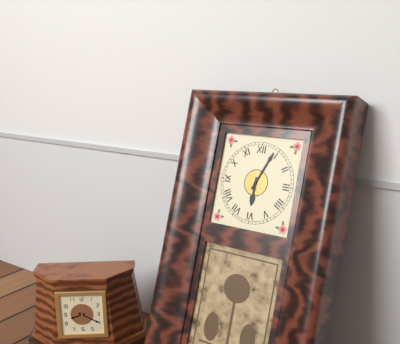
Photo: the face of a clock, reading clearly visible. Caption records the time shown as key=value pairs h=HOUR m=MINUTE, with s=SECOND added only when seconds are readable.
h=6 m=4
